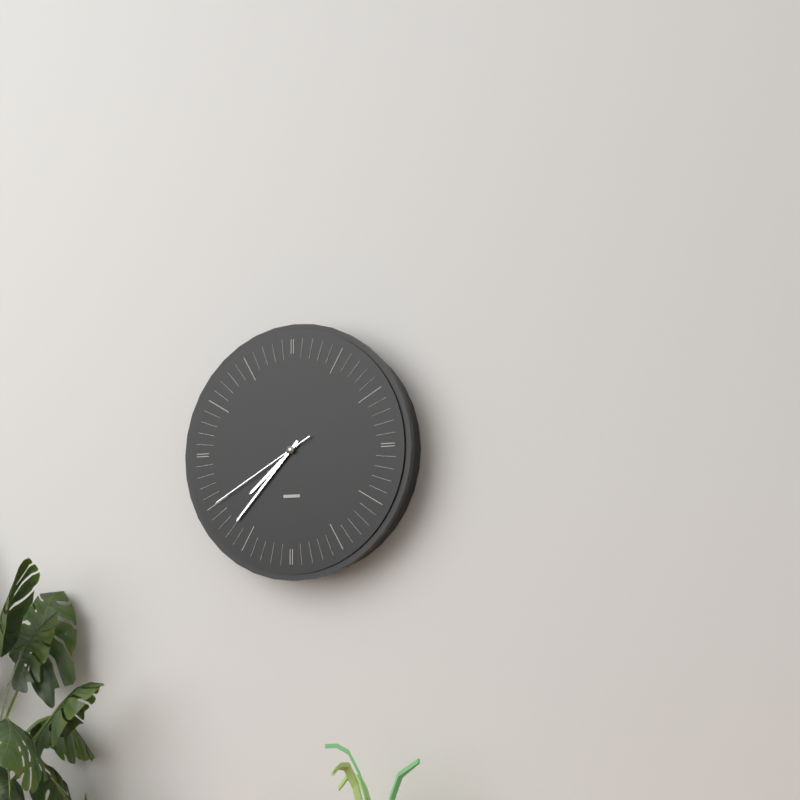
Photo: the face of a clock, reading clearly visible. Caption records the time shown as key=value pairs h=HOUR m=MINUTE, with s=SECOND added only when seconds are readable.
h=7 m=37 s=40
